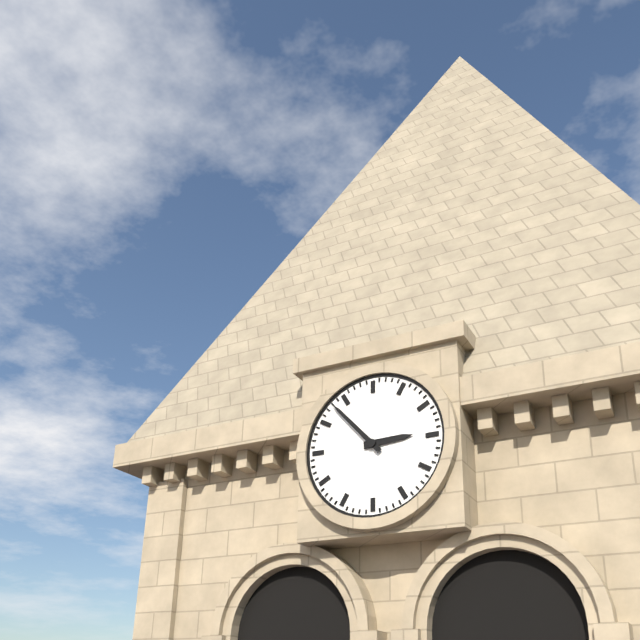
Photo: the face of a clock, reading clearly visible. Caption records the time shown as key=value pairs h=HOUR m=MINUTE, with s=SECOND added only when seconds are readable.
h=2 m=53
